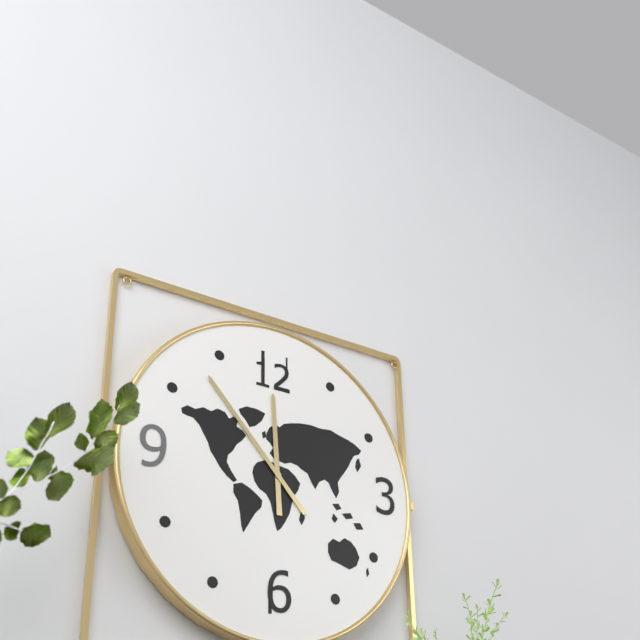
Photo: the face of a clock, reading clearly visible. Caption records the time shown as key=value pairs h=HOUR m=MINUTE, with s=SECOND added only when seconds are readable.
h=11 m=53
